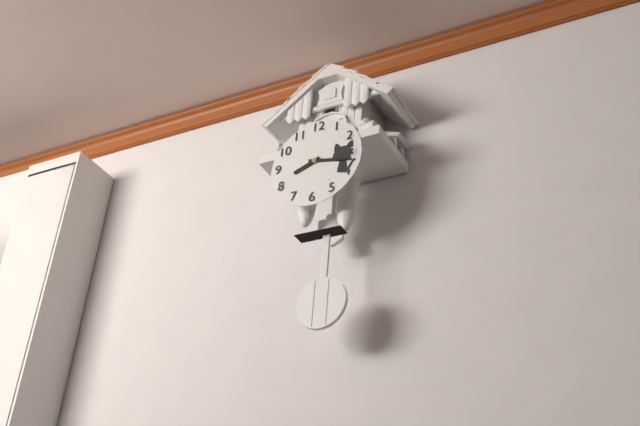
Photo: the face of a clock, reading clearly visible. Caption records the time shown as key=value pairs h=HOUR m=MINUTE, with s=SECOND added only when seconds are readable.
h=8 m=17
